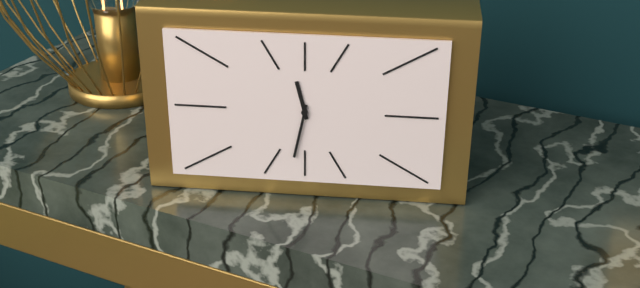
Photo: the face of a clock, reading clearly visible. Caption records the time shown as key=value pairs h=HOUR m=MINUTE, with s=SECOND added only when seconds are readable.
h=11 m=32
